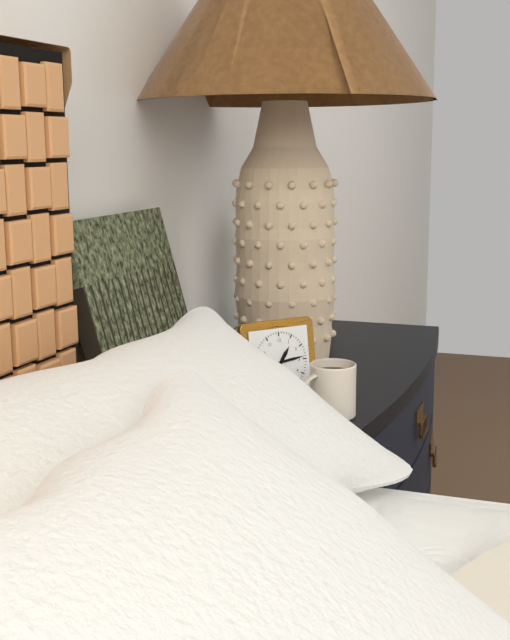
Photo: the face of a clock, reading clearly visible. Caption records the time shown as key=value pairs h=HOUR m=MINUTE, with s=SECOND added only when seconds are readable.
h=1 m=14
